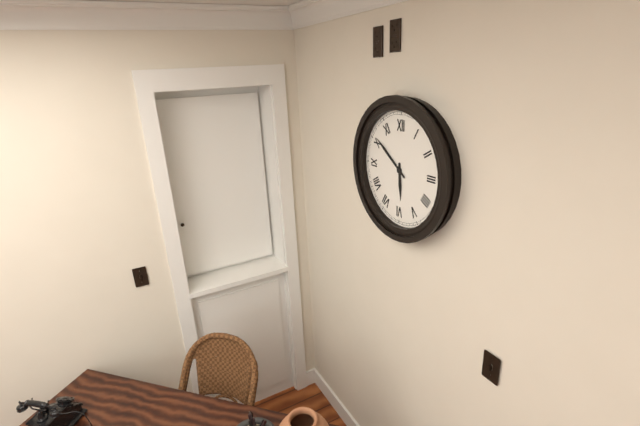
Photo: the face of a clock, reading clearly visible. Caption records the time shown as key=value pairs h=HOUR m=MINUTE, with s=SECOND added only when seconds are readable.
h=5 m=51
